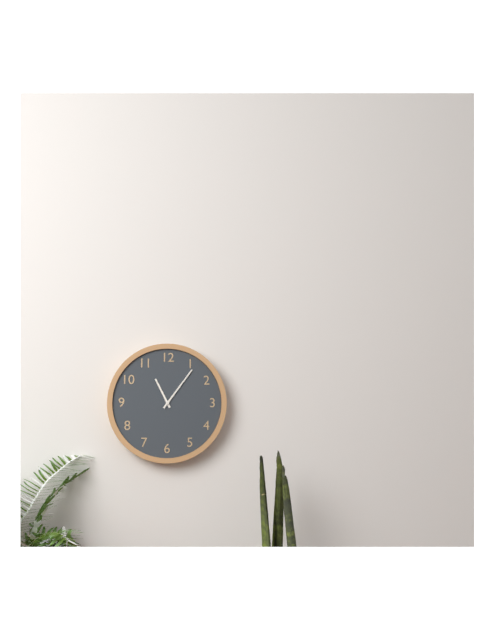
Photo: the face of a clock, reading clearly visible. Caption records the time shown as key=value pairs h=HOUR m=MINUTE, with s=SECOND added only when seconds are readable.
h=11 m=6
